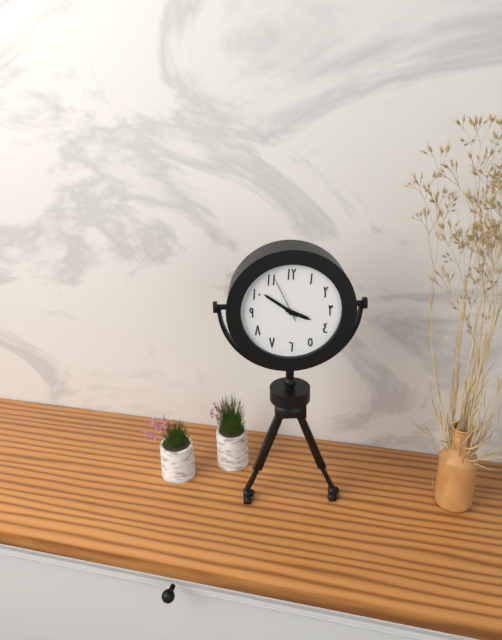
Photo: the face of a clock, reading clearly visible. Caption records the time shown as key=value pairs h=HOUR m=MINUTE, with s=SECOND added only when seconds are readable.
h=3 m=51
